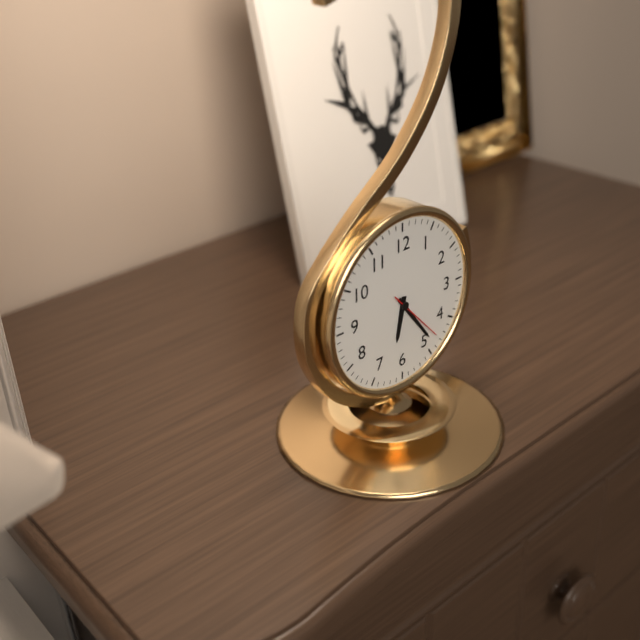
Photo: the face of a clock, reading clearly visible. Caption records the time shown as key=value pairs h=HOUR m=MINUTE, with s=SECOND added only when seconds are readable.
h=6 m=24 s=23
